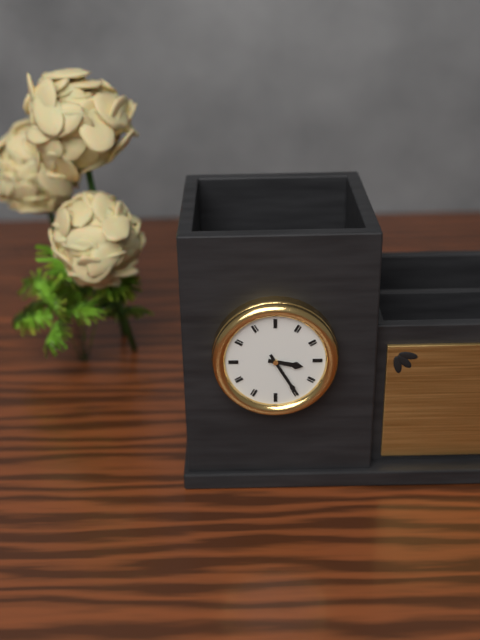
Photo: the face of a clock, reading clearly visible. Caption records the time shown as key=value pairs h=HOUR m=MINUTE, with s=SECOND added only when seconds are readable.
h=3 m=25
